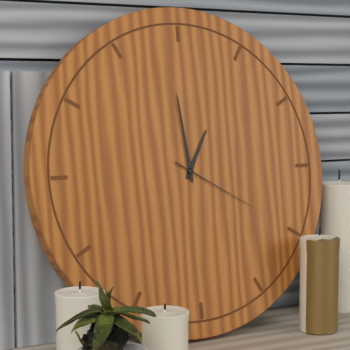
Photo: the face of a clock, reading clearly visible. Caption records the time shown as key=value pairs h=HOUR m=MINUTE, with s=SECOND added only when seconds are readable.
h=12 m=59 s=20
